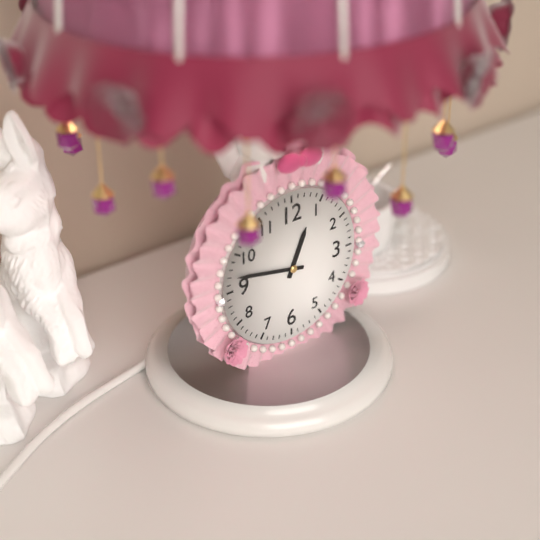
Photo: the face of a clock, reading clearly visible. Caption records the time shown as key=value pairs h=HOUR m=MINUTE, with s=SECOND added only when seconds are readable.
h=12 m=47
